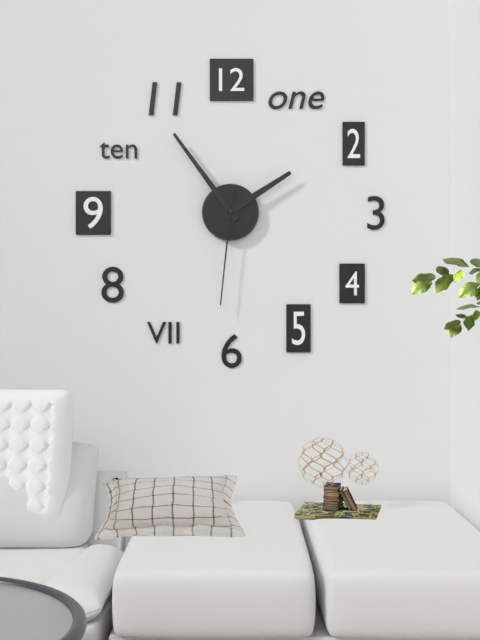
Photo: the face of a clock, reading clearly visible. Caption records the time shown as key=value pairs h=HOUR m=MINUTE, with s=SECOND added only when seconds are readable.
h=1 m=54 s=31
